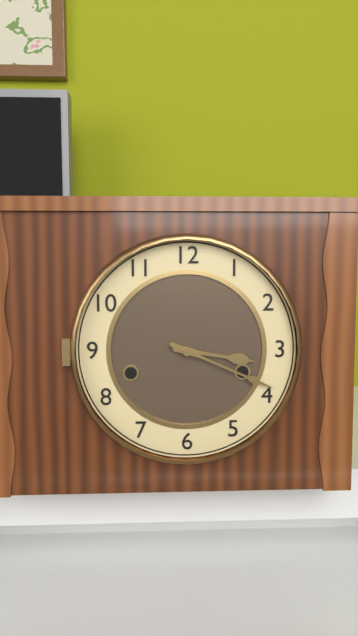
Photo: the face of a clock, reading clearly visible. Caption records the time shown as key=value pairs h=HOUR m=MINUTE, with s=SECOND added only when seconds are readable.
h=3 m=19
